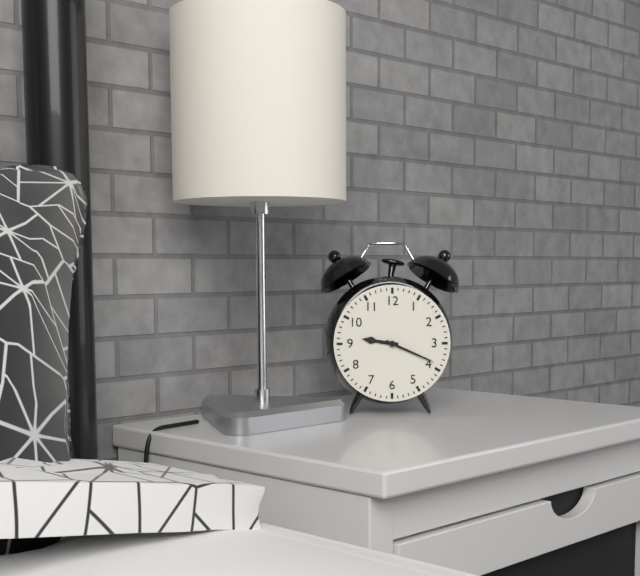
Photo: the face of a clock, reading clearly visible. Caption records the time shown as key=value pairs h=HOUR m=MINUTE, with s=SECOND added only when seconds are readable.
h=9 m=19
